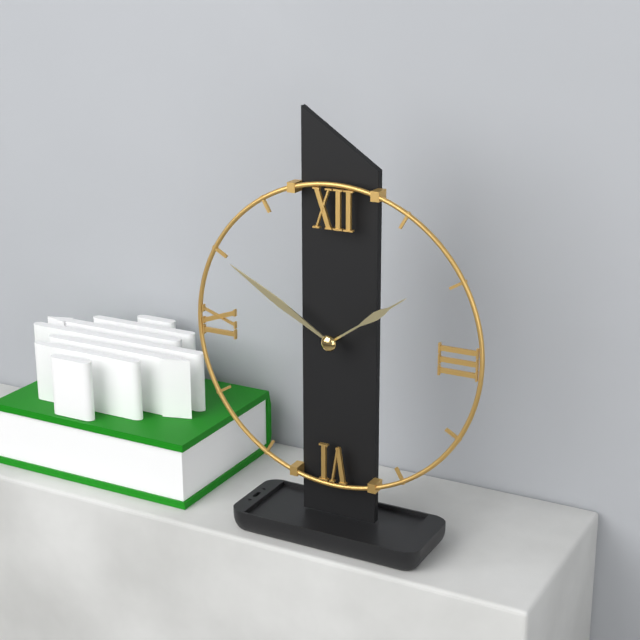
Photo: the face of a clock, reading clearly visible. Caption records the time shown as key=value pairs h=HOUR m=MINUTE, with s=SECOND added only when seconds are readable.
h=1 m=50
